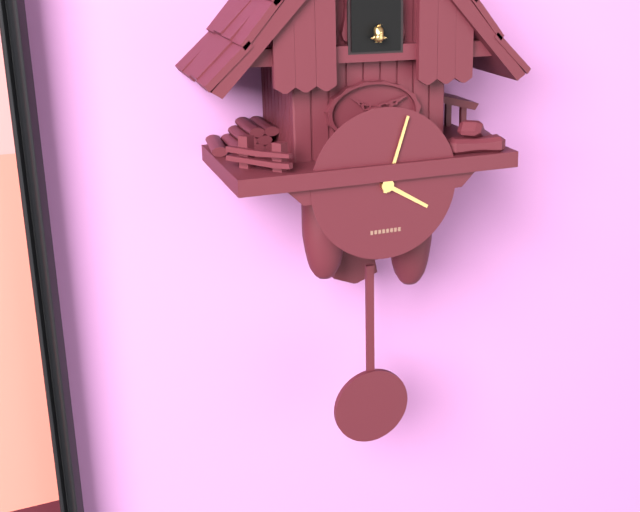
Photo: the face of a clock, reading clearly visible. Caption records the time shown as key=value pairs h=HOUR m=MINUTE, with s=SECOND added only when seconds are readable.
h=4 m=3
